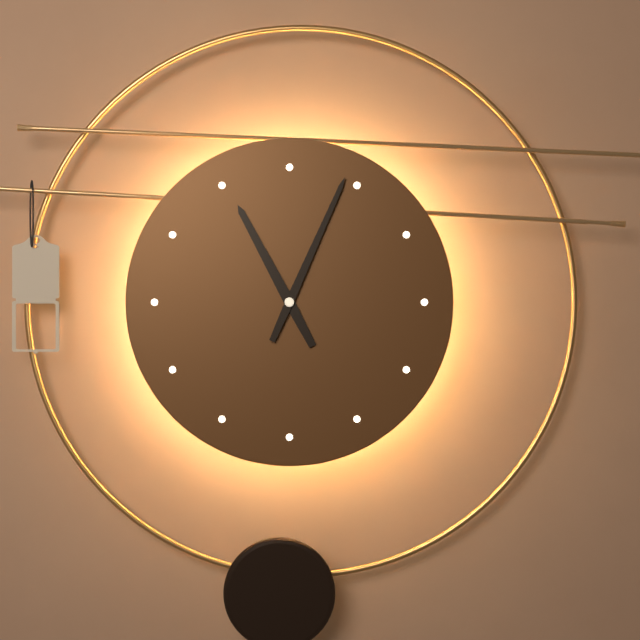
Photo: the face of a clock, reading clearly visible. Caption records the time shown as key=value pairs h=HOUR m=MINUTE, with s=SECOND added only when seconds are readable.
h=11 m=4
